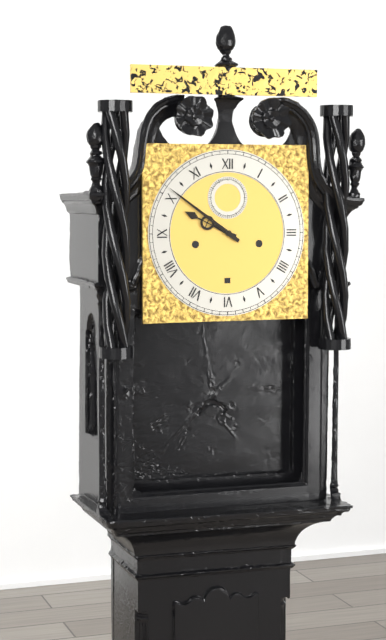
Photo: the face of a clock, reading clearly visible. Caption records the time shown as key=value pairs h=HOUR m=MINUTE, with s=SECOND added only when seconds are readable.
h=9 m=51
